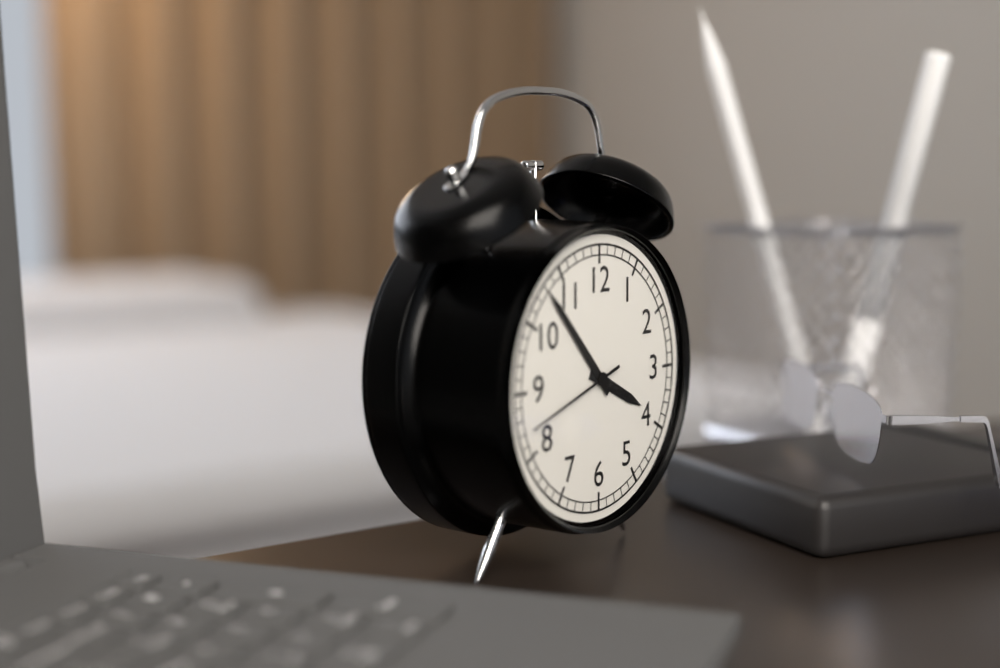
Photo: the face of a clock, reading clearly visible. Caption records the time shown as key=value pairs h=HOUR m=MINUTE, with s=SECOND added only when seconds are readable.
h=3 m=53 s=42
